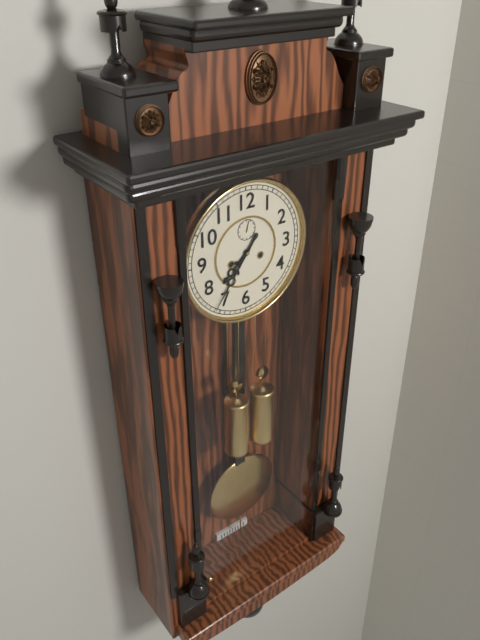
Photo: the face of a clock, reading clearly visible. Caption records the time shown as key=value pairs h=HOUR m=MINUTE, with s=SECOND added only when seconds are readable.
h=7 m=36
